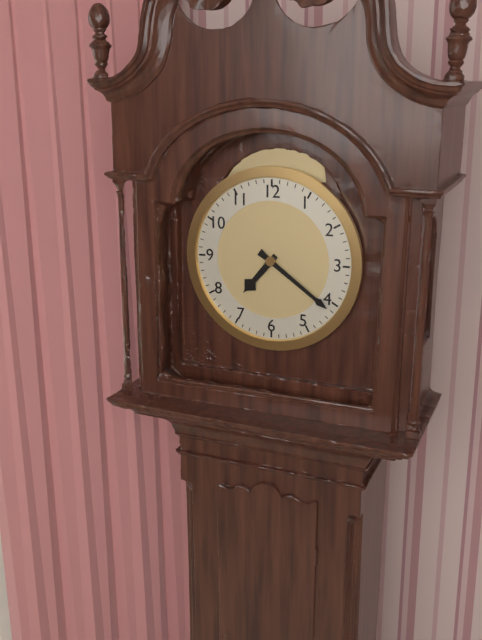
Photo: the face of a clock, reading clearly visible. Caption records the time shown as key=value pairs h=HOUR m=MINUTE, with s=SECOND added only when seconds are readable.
h=7 m=21
